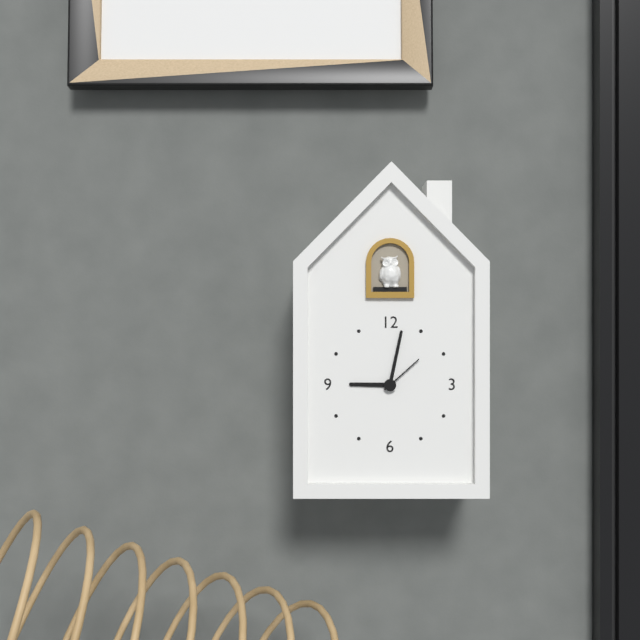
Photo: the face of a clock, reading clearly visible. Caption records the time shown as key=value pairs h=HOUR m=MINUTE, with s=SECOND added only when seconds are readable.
h=9 m=2
